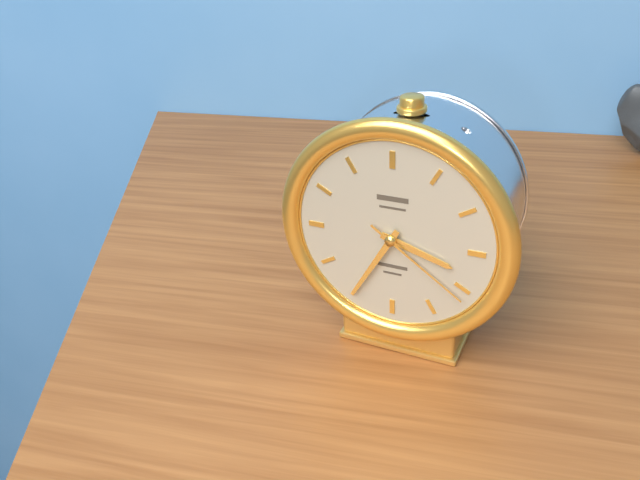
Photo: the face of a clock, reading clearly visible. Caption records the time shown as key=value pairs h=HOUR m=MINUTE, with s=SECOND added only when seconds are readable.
h=3 m=35 s=21
